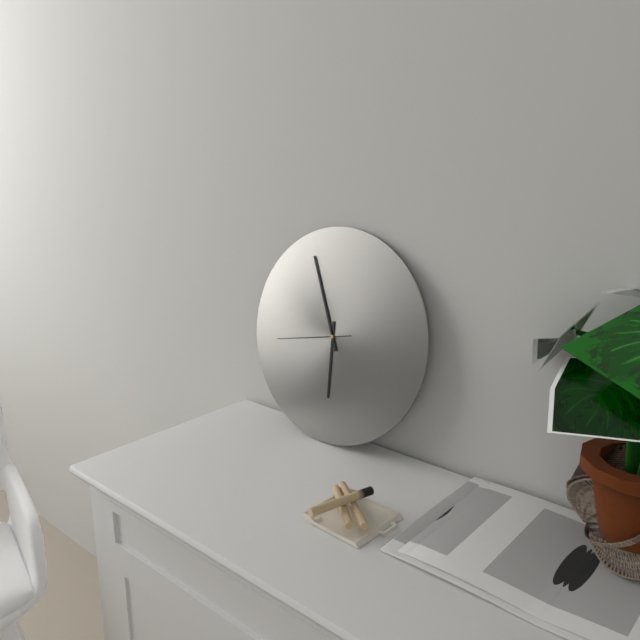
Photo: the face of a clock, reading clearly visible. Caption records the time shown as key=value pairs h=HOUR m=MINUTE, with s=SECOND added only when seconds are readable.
h=5 m=56 s=43
